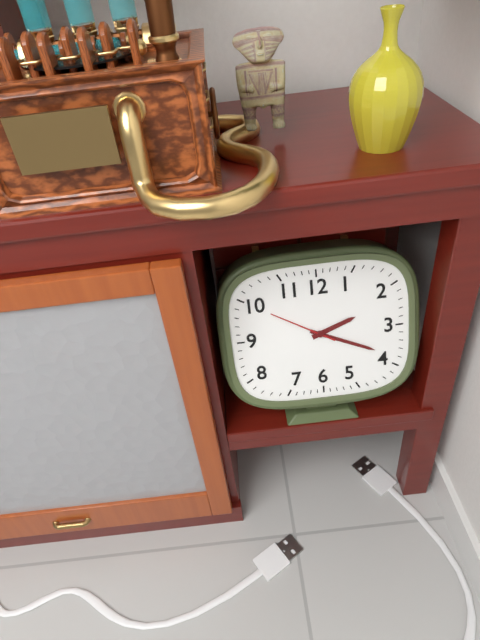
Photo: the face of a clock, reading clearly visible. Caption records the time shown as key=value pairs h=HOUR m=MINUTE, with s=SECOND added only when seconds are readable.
h=2 m=19 s=50
